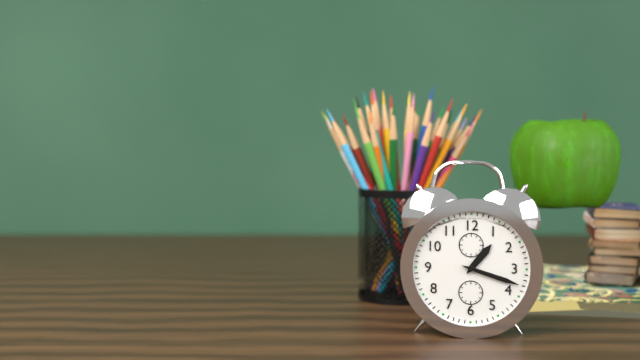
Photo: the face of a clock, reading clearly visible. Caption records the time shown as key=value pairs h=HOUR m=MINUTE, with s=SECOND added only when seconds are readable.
h=1 m=18
